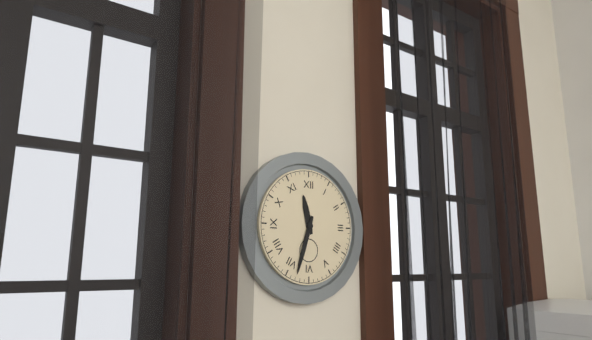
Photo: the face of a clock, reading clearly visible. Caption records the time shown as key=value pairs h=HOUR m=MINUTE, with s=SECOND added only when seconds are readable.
h=11 m=33
